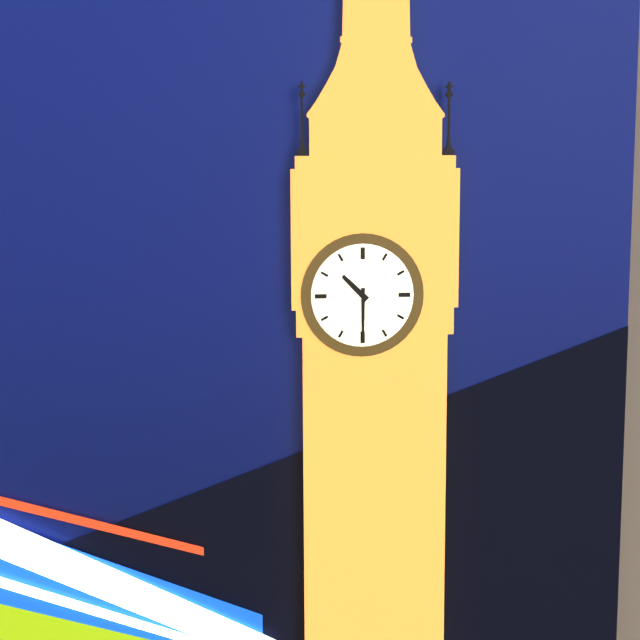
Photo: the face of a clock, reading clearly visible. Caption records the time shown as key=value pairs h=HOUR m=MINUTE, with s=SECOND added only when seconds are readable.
h=10 m=30
